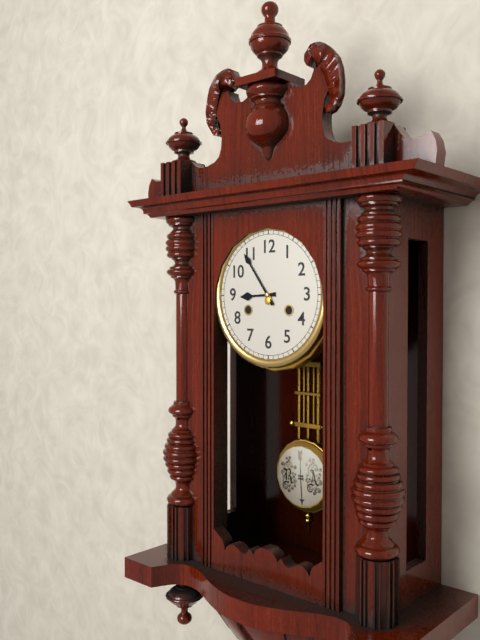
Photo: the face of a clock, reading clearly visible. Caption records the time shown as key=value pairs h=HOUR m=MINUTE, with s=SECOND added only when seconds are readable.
h=8 m=54
